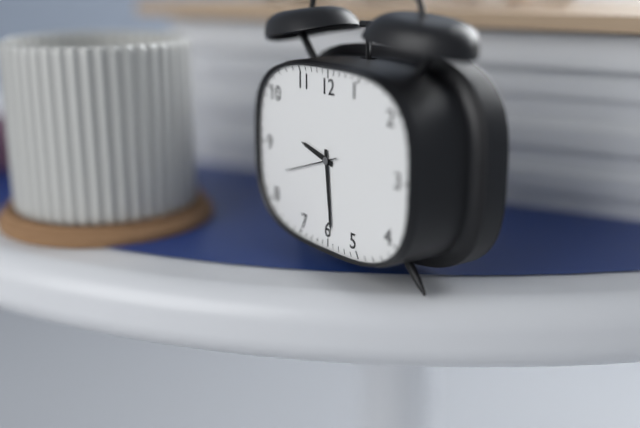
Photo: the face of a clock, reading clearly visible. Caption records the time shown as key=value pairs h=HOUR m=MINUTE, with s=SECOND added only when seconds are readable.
h=9 m=29 s=42
